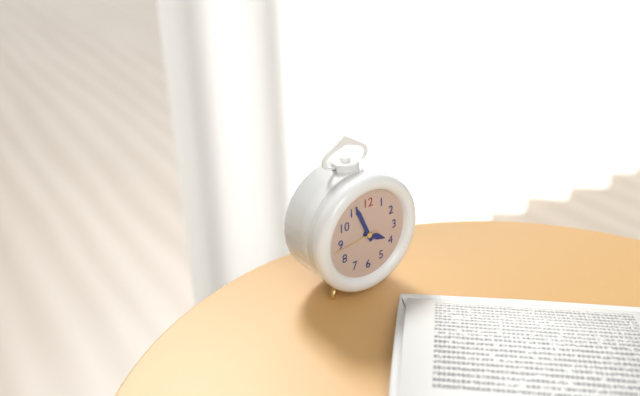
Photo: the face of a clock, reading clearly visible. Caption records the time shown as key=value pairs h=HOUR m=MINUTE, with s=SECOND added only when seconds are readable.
h=3 m=56
